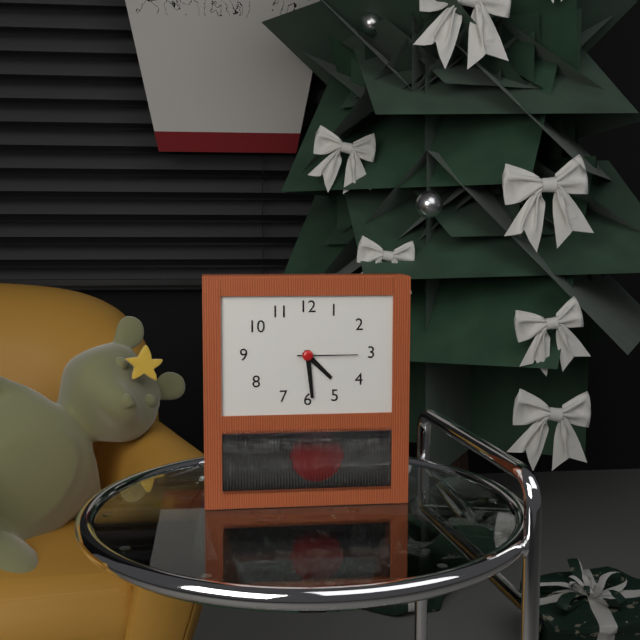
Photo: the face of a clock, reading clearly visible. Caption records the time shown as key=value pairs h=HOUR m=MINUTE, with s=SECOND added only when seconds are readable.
h=4 m=29 s=15
